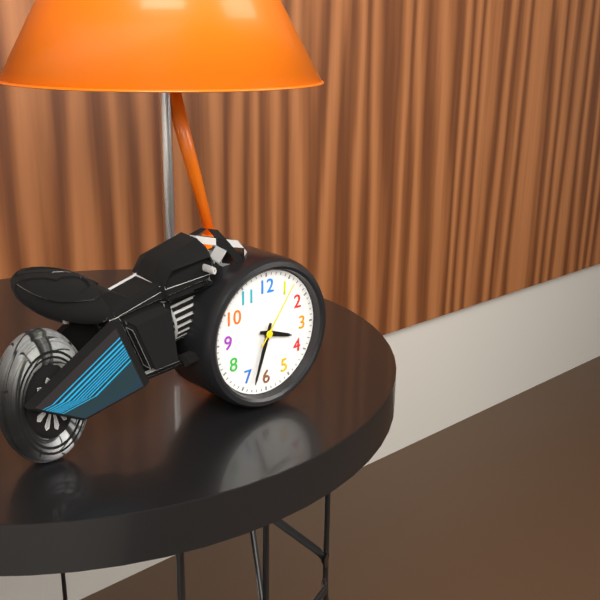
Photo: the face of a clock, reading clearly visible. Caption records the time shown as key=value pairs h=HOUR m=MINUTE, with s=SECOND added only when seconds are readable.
h=3 m=33 s=6
